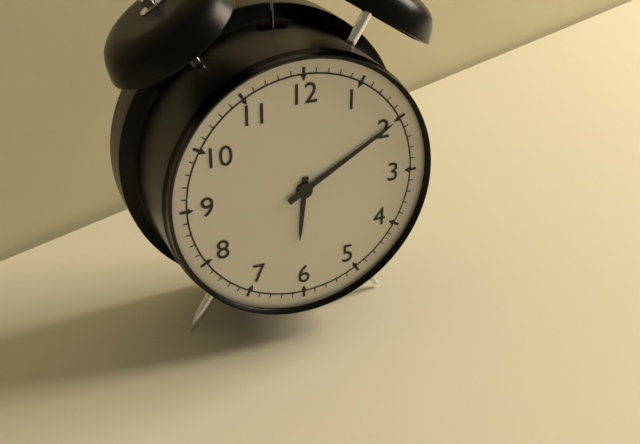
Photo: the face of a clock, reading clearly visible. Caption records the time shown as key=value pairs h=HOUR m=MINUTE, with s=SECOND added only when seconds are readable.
h=6 m=10
